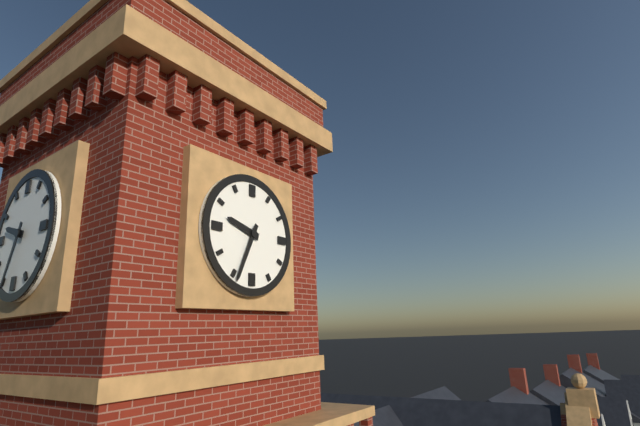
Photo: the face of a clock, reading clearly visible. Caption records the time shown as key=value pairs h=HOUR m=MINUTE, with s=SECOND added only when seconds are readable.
h=9 m=34
